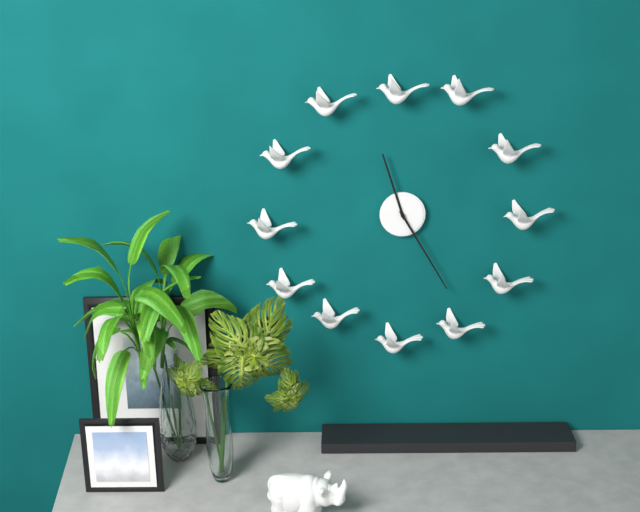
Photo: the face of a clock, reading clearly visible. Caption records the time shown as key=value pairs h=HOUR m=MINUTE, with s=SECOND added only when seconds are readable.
h=11 m=25
